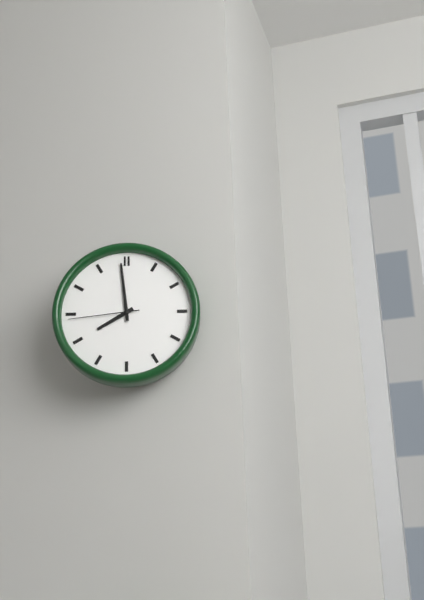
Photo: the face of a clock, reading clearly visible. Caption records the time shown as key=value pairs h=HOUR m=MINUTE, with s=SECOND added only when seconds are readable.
h=7 m=59 s=44
